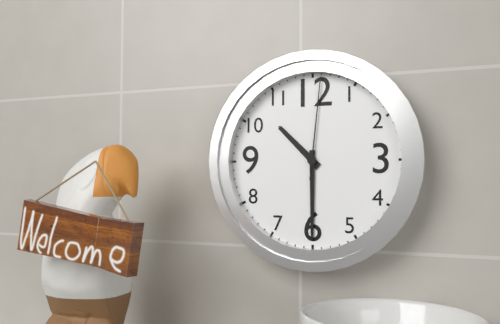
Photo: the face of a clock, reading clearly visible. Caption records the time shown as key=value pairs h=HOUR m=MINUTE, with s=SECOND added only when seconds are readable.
h=10 m=30 s=1
